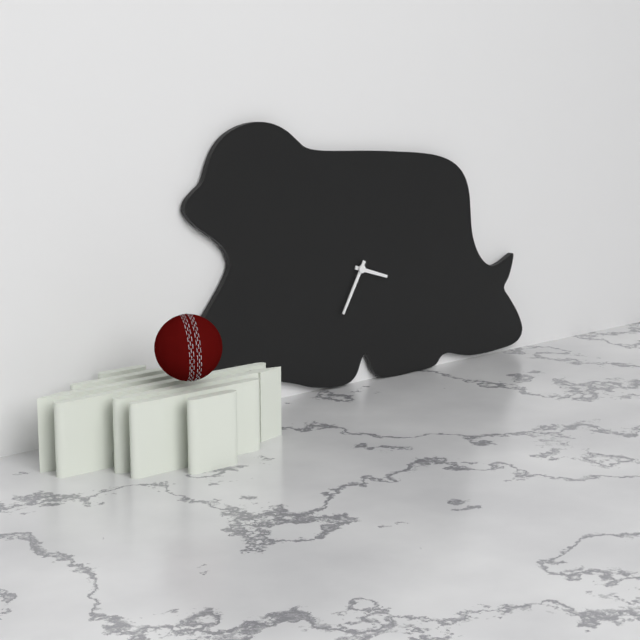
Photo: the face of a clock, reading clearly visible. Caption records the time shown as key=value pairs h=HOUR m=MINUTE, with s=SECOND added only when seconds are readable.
h=3 m=35
